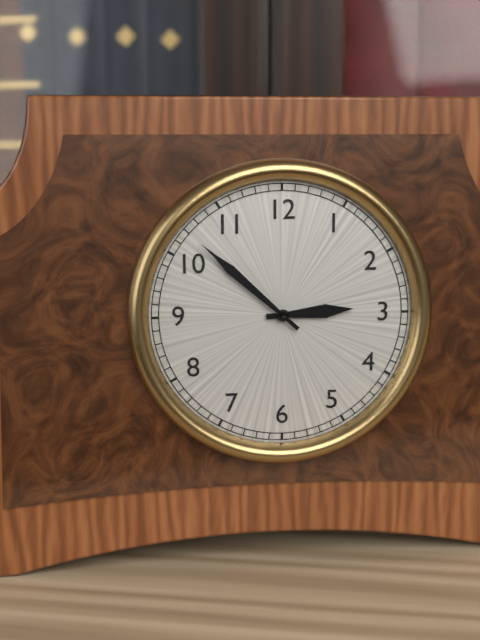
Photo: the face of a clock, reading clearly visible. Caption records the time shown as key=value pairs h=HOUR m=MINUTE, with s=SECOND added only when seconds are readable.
h=2 m=52
